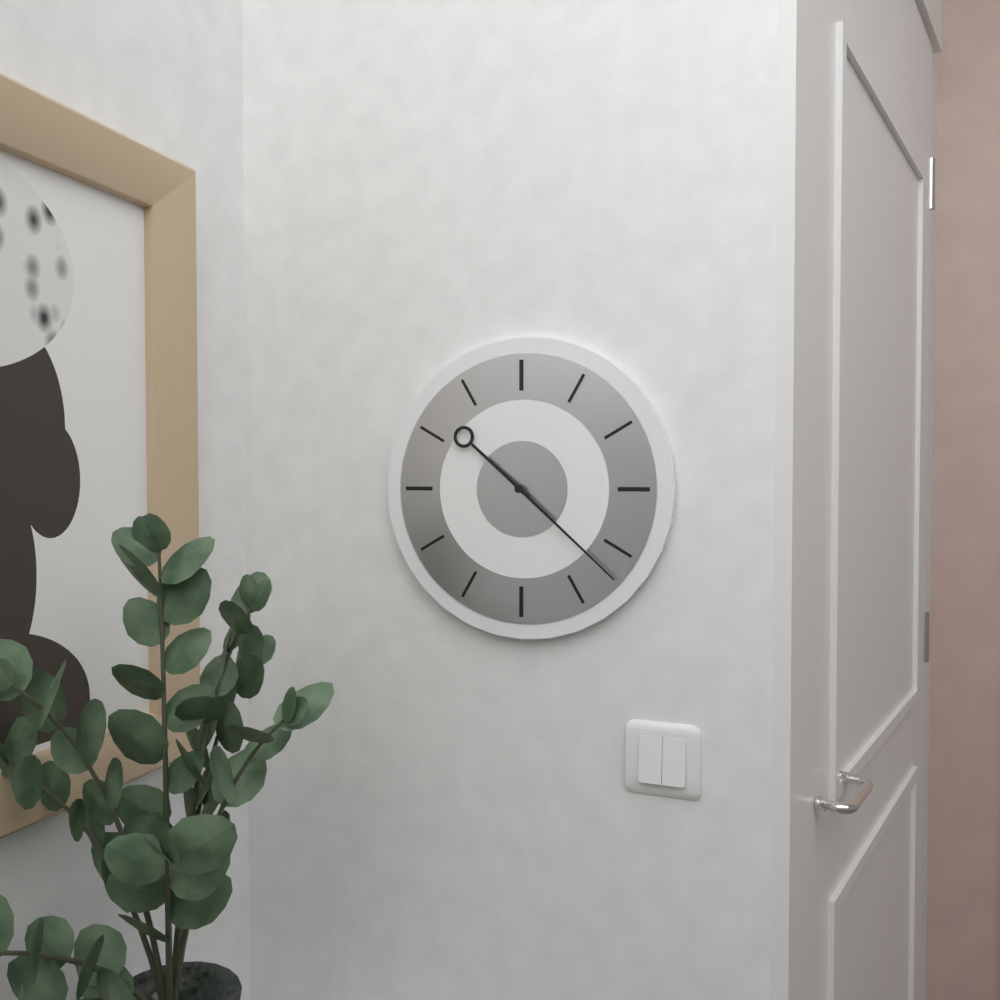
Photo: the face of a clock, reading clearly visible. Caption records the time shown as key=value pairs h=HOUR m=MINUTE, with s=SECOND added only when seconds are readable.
h=10 m=22
